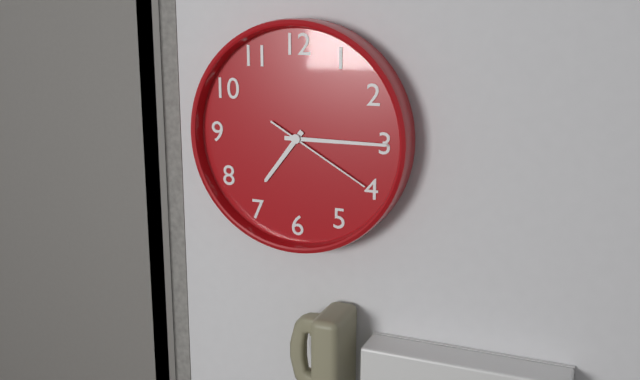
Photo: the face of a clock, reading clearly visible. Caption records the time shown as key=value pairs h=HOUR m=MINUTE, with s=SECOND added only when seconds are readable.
h=7 m=15 s=20
